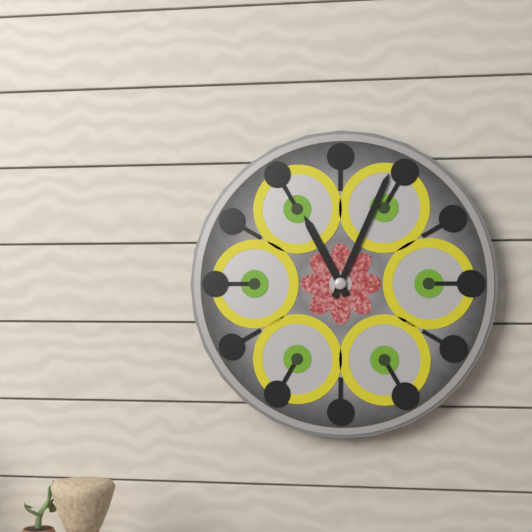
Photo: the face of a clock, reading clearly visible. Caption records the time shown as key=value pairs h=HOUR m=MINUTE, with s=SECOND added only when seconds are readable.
h=11 m=4
